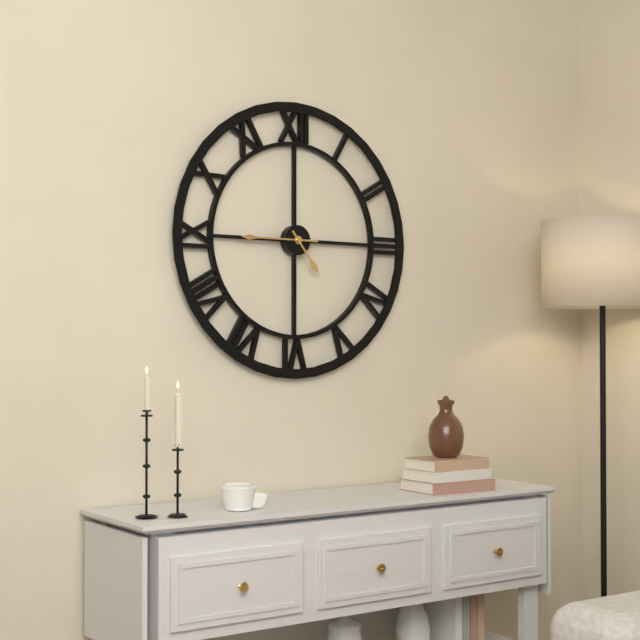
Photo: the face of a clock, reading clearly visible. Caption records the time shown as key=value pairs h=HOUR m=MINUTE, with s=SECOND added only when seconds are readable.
h=4 m=45
